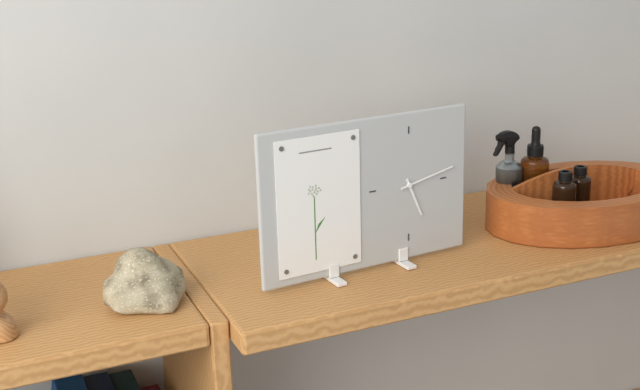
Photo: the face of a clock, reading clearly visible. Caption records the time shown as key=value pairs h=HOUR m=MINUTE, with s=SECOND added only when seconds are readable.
h=5 m=13
